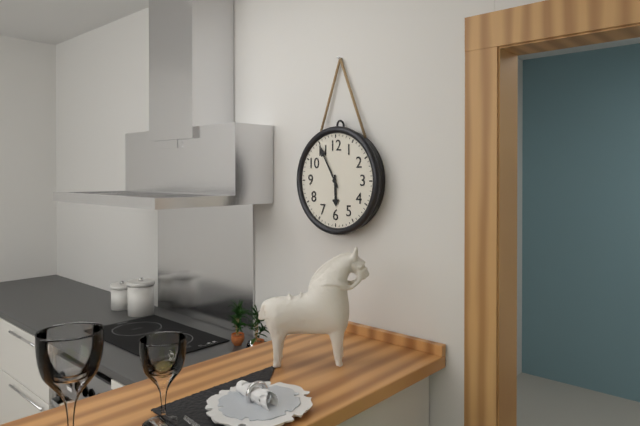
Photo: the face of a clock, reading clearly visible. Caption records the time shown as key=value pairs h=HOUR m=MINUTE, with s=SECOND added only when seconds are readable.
h=5 m=55
